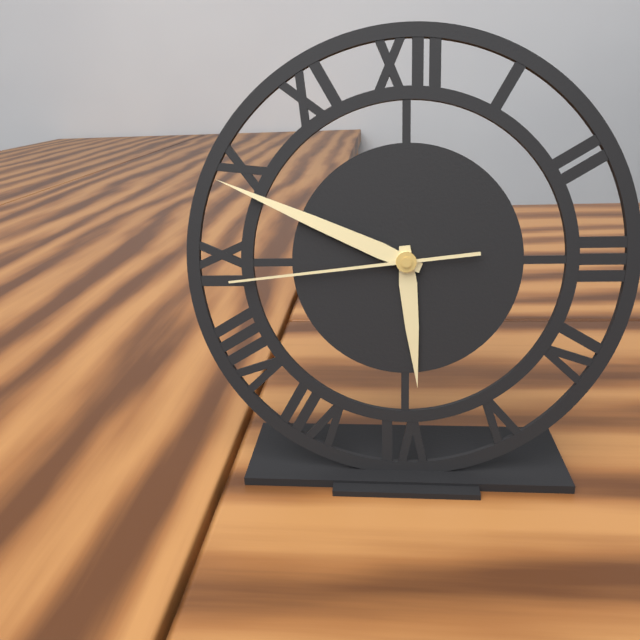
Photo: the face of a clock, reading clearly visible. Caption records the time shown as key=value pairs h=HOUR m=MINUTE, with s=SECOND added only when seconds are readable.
h=5 m=49 s=44
